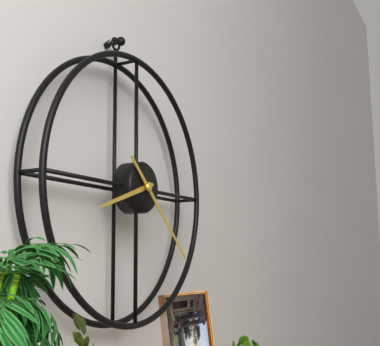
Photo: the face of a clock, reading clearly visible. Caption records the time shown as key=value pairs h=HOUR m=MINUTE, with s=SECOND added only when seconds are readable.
h=8 m=22
